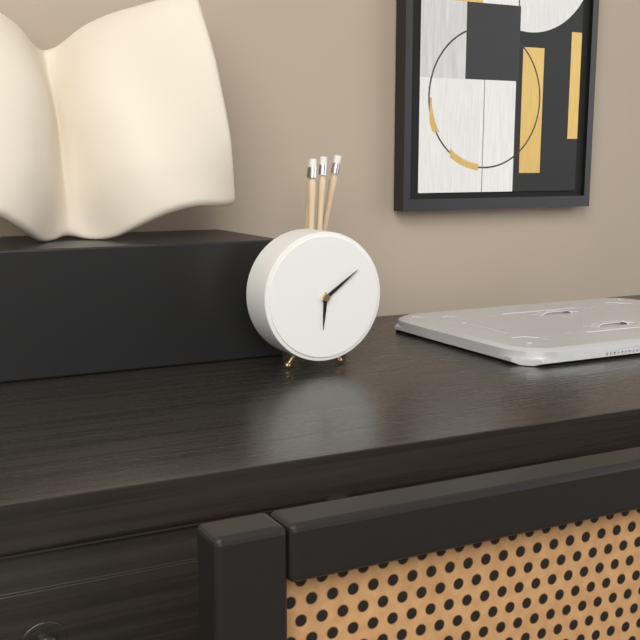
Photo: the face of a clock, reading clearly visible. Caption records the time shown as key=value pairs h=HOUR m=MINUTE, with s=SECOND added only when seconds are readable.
h=6 m=9
